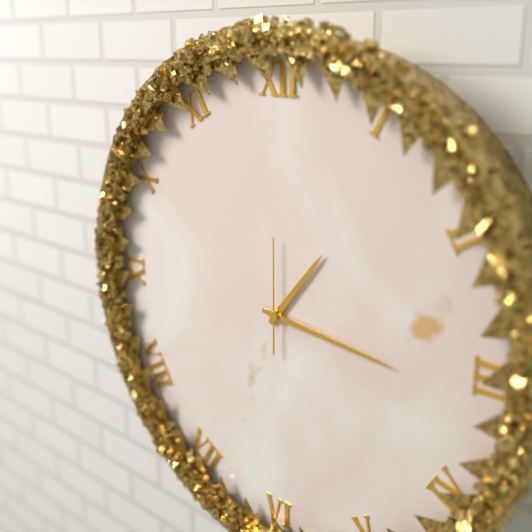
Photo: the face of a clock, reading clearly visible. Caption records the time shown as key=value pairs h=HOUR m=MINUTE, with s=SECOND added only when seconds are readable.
h=1 m=16 s=0
